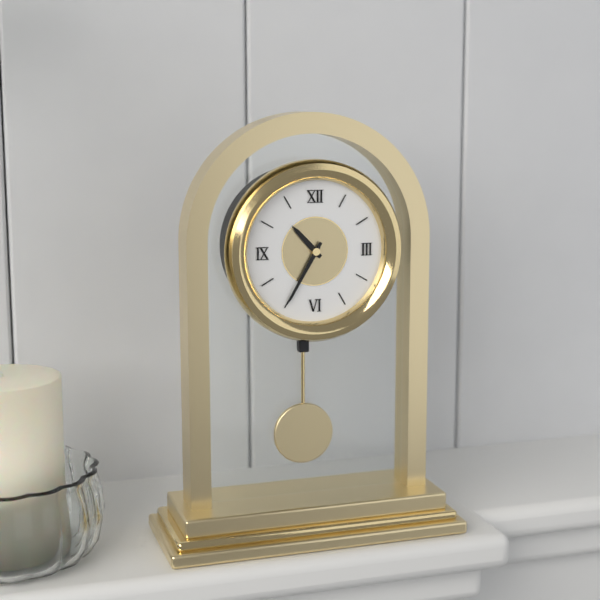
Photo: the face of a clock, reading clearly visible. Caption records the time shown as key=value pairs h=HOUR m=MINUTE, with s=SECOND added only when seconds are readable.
h=10 m=35
